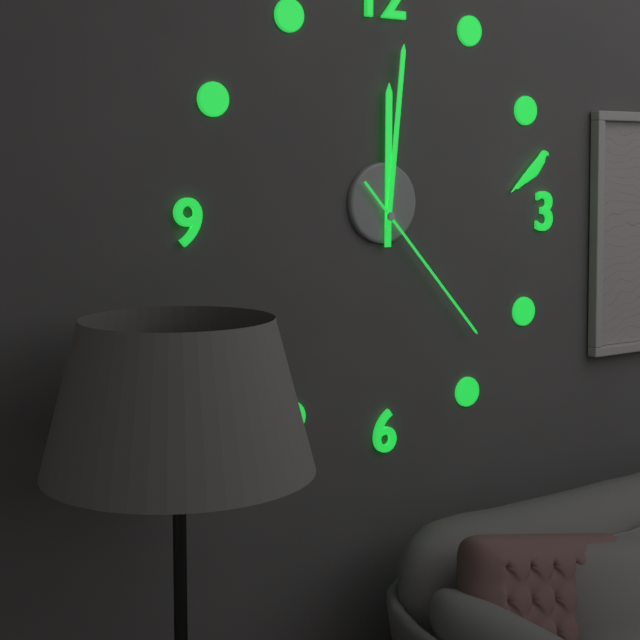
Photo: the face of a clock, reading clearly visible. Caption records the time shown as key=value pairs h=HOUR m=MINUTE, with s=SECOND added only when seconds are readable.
h=12 m=1 s=23
